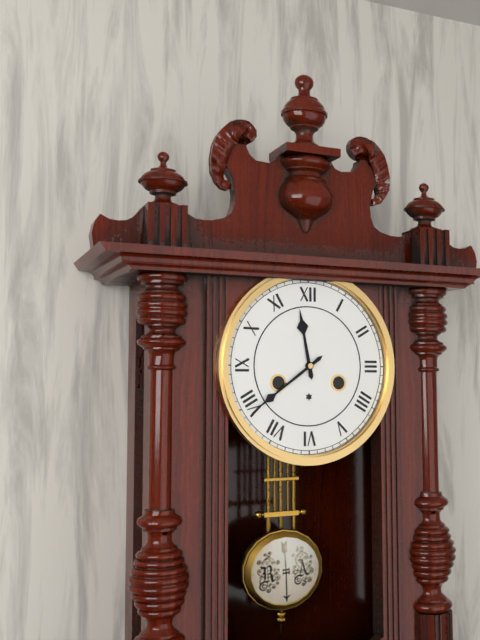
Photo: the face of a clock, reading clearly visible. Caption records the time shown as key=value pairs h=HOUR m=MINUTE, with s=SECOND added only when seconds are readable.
h=11 m=39
